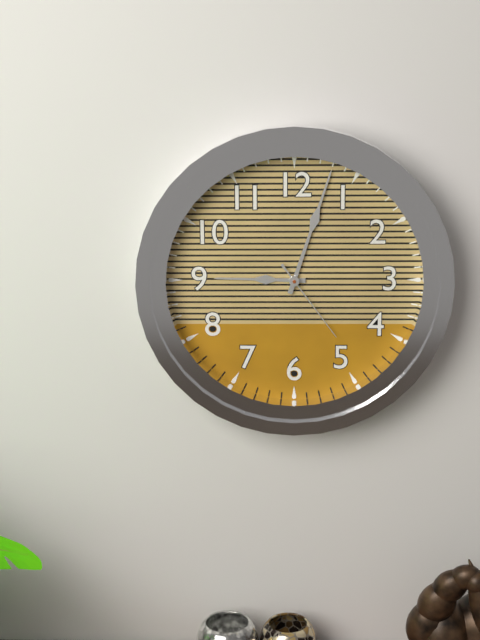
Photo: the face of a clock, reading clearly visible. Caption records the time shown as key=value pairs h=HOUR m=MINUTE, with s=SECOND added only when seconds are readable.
h=9 m=3 s=24
